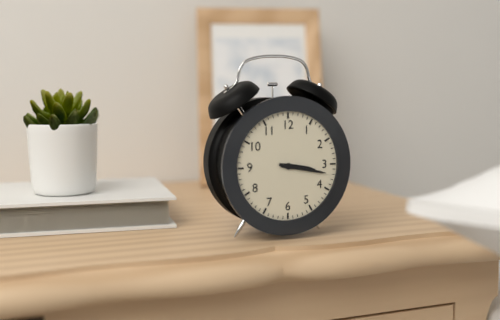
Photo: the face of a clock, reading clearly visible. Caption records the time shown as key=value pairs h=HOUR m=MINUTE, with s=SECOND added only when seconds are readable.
h=3 m=17
